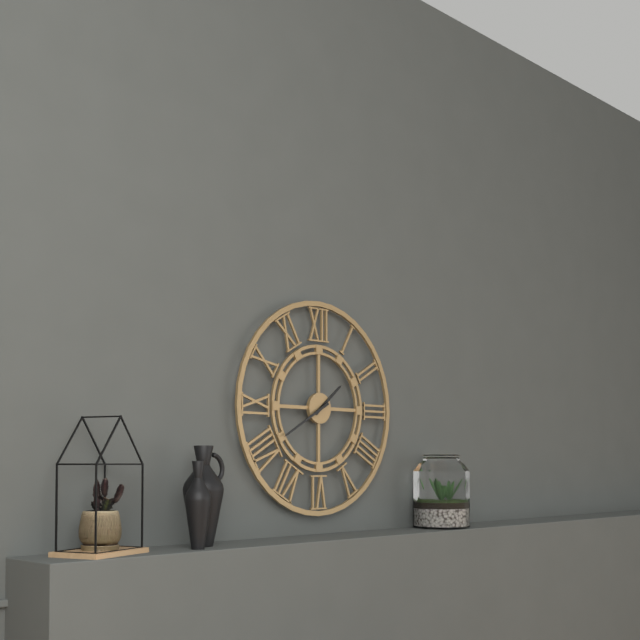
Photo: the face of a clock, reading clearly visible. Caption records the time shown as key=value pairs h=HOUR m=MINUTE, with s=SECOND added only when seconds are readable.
h=1 m=40
